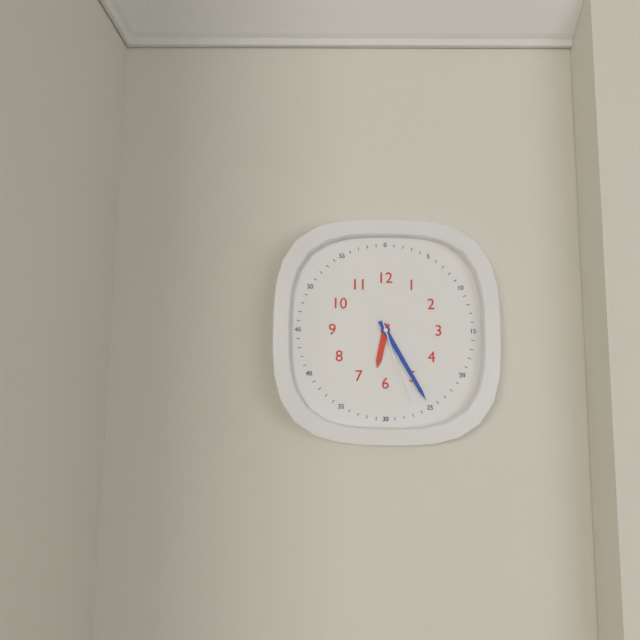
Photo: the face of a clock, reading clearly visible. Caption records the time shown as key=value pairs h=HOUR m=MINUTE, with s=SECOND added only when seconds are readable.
h=6 m=25 s=27
